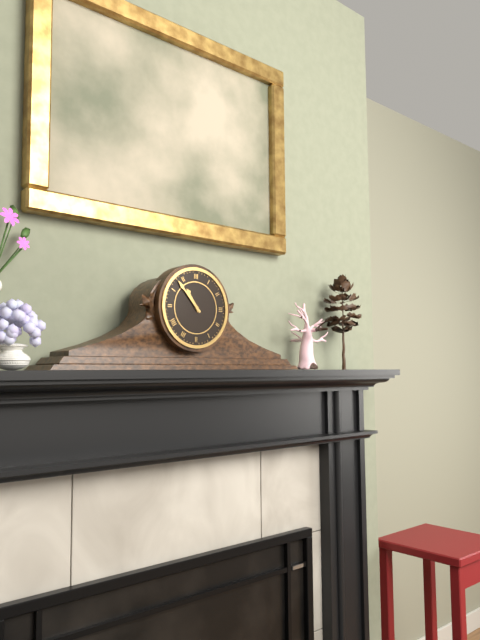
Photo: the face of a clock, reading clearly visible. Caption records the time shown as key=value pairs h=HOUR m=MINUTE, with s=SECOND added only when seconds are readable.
h=10 m=53
